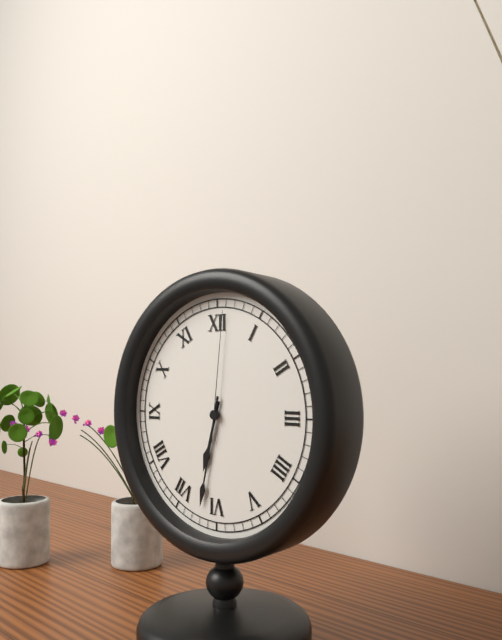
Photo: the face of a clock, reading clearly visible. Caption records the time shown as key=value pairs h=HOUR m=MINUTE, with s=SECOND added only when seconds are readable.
h=6 m=32 s=1
